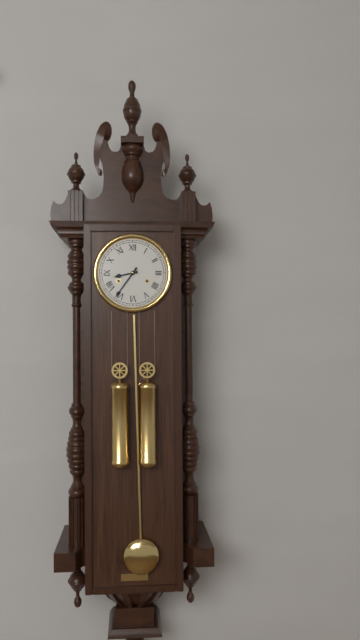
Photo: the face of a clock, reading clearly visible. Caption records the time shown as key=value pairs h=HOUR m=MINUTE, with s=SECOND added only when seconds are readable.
h=8 m=36
